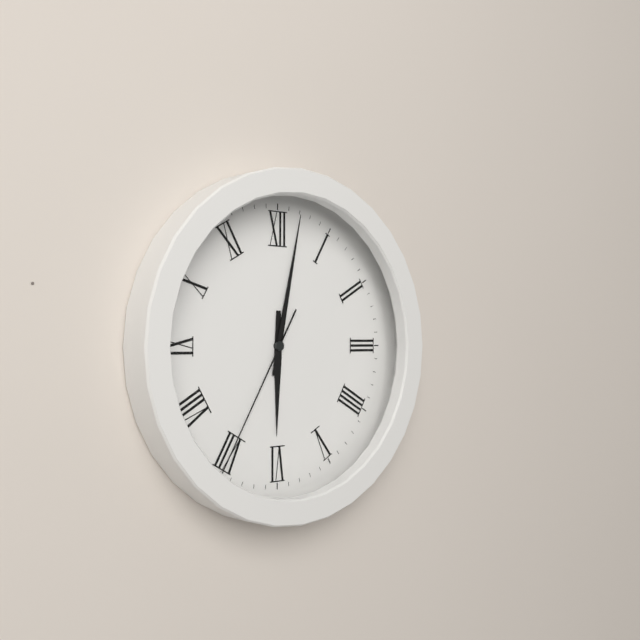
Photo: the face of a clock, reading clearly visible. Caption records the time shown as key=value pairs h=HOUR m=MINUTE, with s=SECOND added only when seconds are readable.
h=6 m=2 s=35
